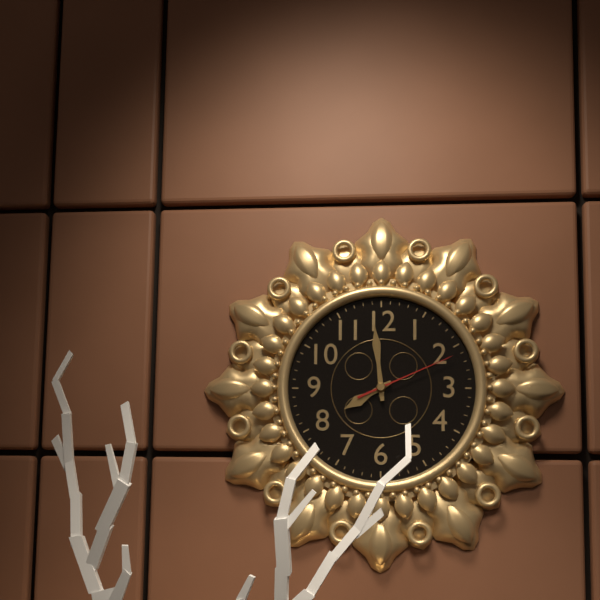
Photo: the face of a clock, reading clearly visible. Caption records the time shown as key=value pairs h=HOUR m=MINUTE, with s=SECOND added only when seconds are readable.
h=7 m=59 s=11
